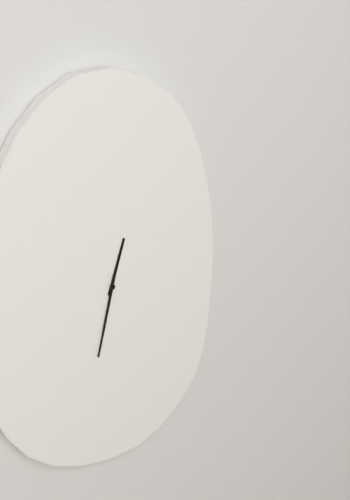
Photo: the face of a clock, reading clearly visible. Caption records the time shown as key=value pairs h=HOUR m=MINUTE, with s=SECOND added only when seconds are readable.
h=12 m=32
